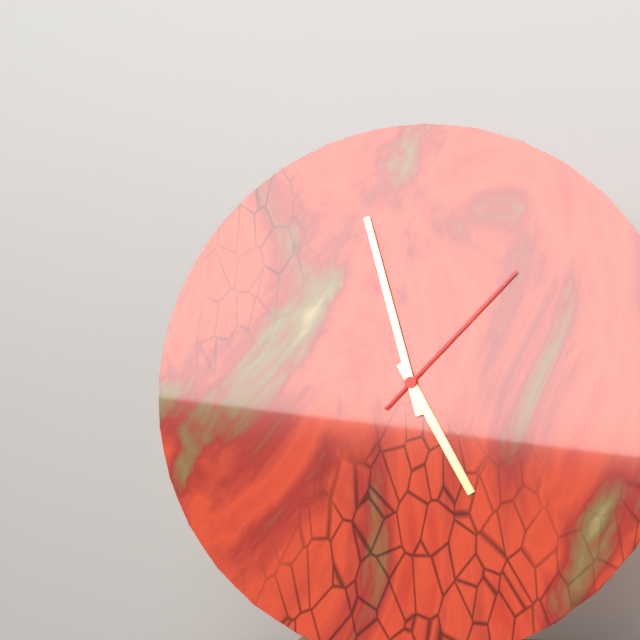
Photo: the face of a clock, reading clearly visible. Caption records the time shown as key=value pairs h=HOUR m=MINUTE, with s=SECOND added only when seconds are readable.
h=4 m=57 s=7
